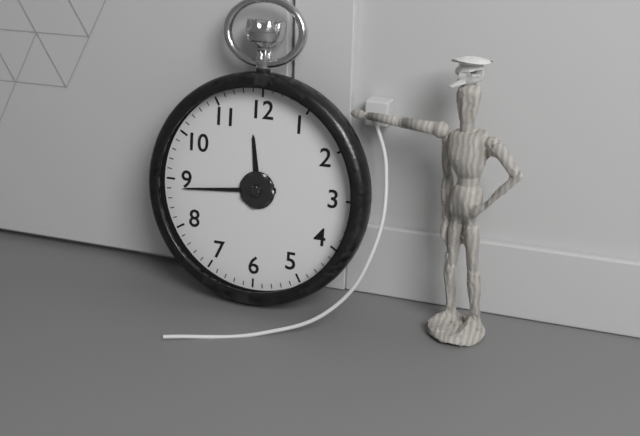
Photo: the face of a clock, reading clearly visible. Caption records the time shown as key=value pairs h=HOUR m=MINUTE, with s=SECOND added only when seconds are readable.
h=11 m=44
